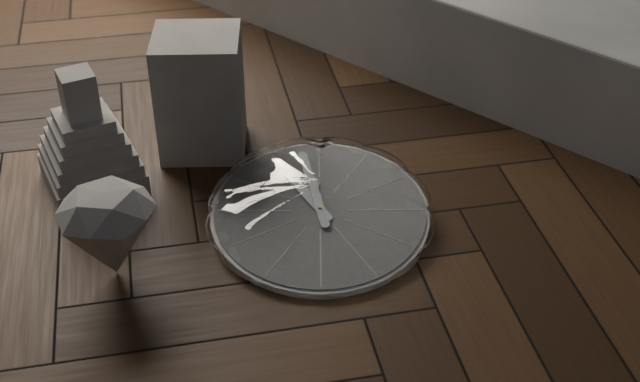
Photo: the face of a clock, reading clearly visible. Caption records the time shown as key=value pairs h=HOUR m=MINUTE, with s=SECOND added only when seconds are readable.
h=10 m=58
